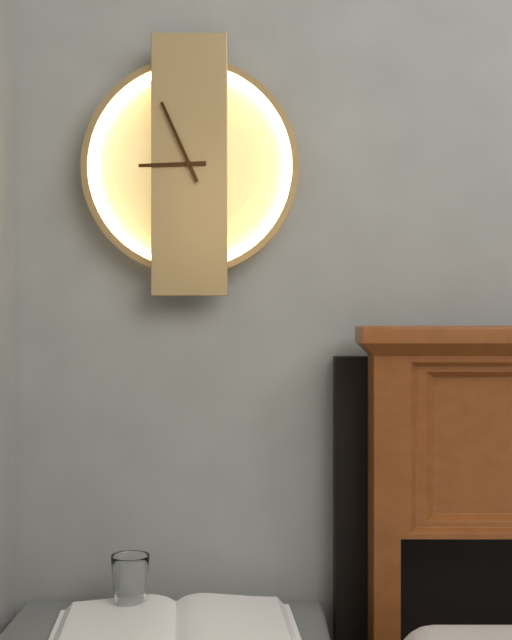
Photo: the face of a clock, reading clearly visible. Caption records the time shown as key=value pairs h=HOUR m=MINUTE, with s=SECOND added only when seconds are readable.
h=8 m=56
